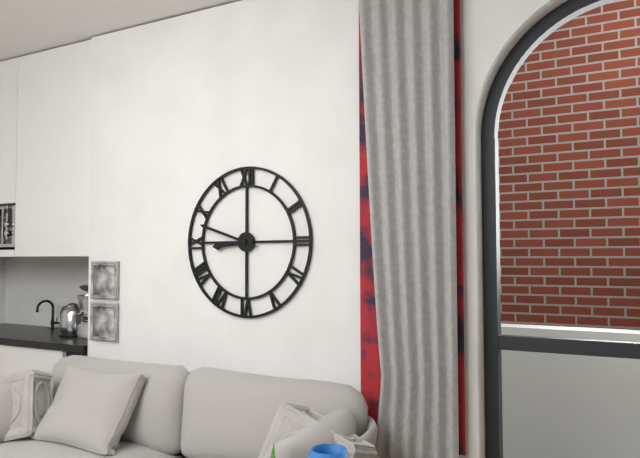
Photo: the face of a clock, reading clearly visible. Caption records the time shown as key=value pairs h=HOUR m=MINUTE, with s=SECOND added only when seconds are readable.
h=8 m=48
